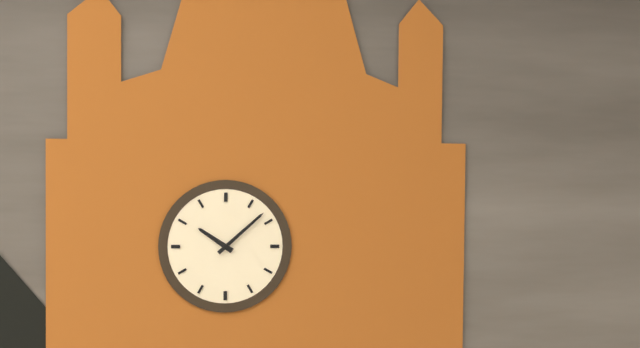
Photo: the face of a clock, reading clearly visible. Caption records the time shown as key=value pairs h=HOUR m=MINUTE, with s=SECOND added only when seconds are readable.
h=10 m=8
